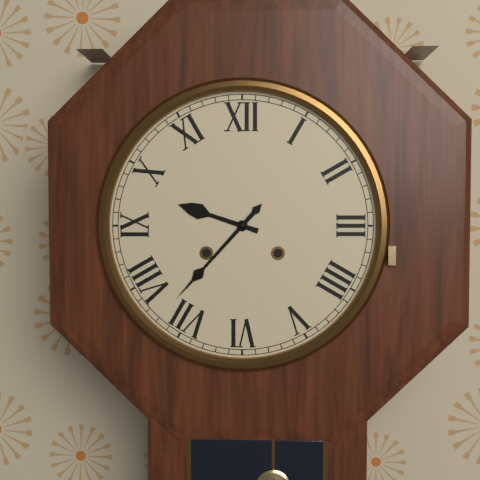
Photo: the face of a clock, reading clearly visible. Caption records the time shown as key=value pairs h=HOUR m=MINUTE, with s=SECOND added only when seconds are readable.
h=9 m=37
